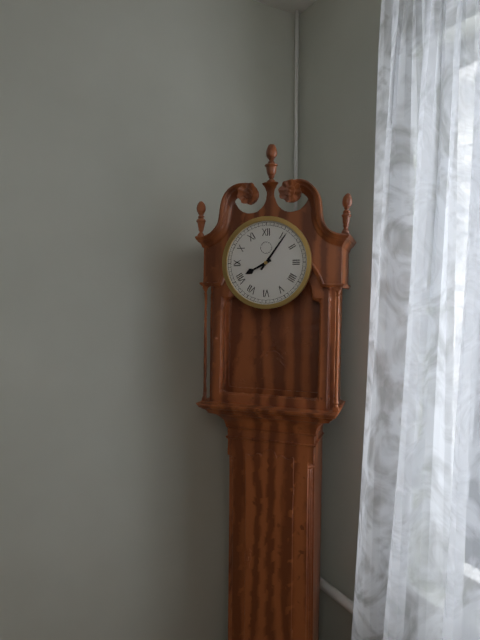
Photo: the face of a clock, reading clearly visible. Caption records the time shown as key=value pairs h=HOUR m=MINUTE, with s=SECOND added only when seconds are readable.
h=8 m=6
